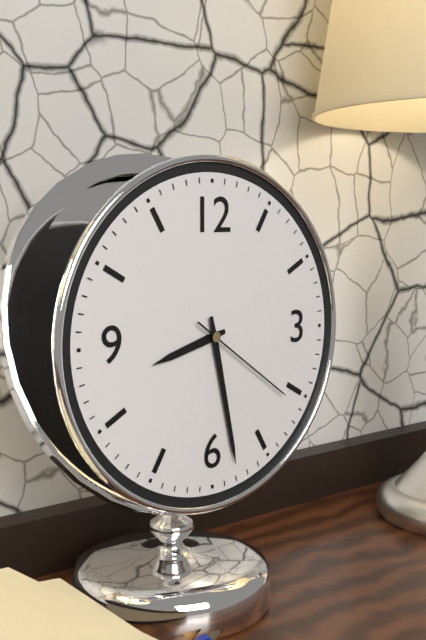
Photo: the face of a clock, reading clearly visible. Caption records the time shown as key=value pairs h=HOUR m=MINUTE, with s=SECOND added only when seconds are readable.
h=8 m=28 s=21
